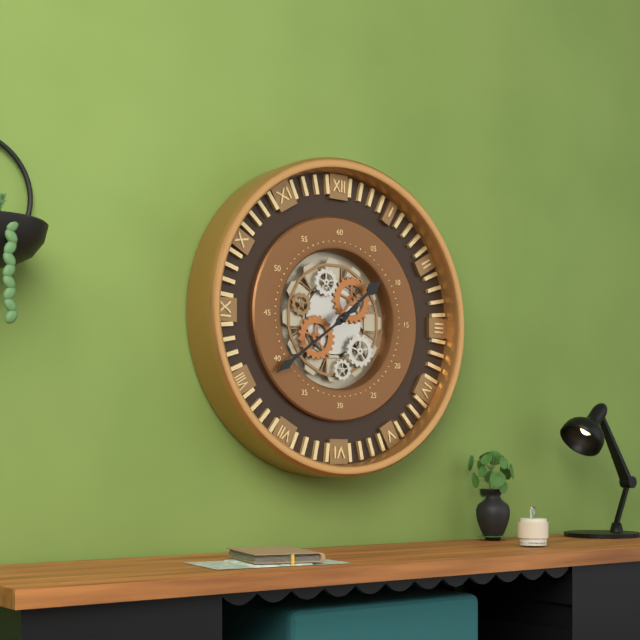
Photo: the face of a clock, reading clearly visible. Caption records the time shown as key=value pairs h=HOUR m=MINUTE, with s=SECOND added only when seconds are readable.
h=1 m=39
